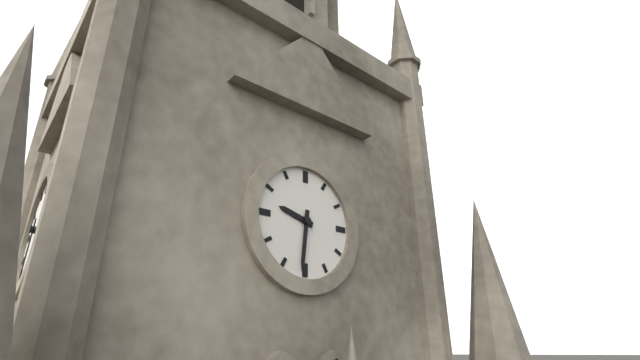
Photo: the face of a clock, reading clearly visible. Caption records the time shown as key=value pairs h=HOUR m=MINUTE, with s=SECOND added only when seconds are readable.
h=9 m=31
